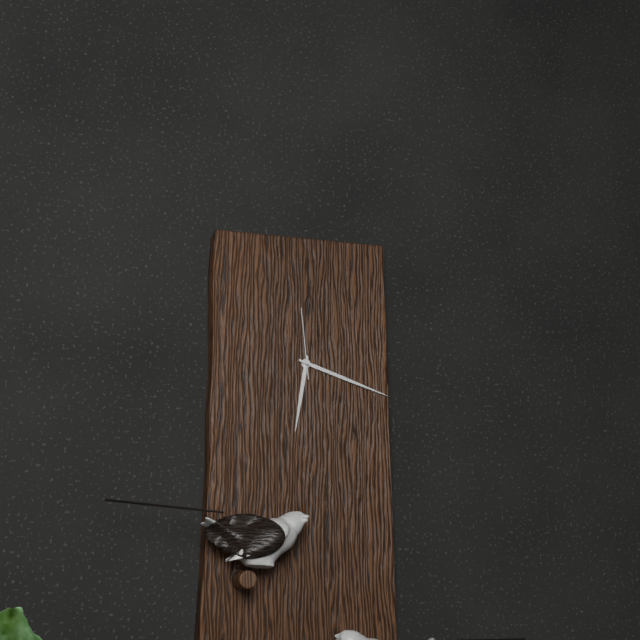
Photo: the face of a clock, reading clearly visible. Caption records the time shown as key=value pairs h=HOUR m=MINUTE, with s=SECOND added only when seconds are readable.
h=6 m=18 s=59
